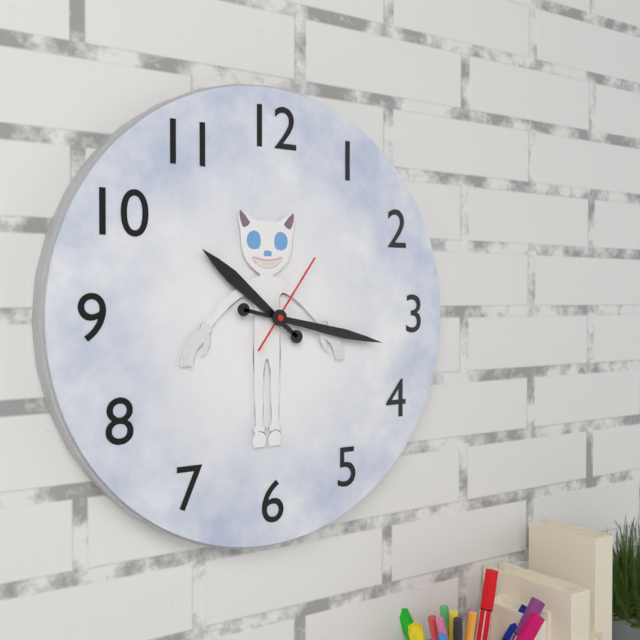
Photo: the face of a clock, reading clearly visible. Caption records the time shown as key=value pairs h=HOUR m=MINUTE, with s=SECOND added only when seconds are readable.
h=10 m=17 s=6
